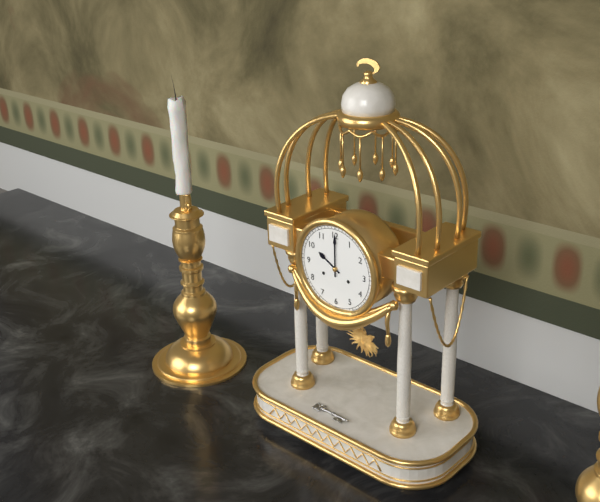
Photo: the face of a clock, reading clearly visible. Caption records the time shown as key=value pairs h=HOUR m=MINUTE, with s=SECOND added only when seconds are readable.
h=10 m=0
